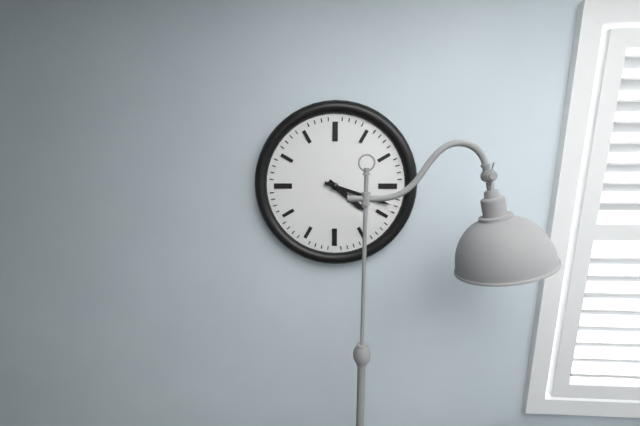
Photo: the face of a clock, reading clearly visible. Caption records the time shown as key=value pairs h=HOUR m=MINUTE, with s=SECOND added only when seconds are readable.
h=4 m=18
